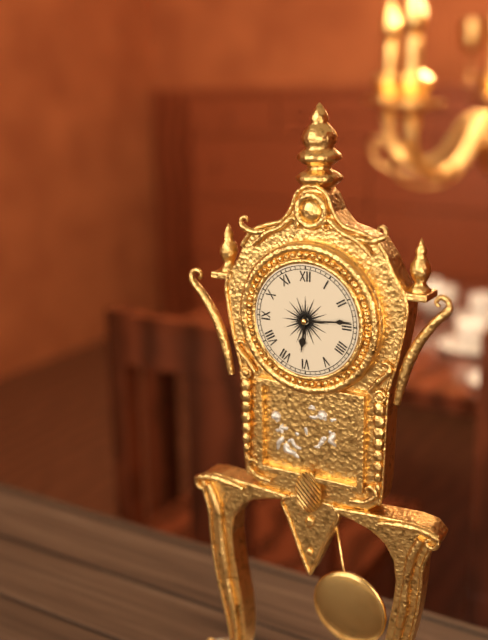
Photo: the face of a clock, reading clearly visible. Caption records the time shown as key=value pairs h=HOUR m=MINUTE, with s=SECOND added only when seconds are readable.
h=6 m=14
